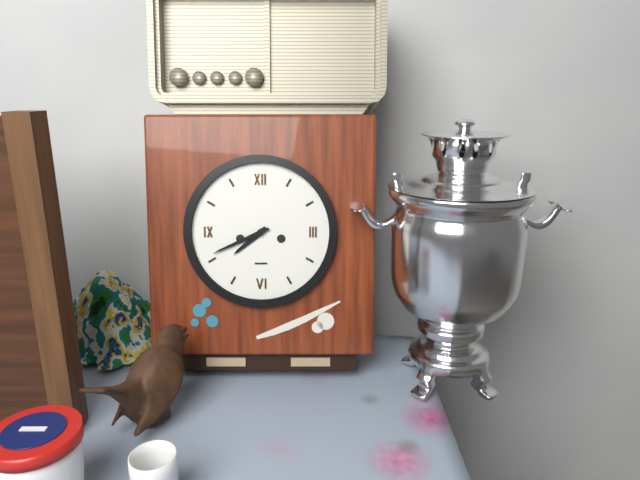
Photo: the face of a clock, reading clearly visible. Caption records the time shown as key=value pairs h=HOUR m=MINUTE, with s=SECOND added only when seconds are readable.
h=7 m=41
